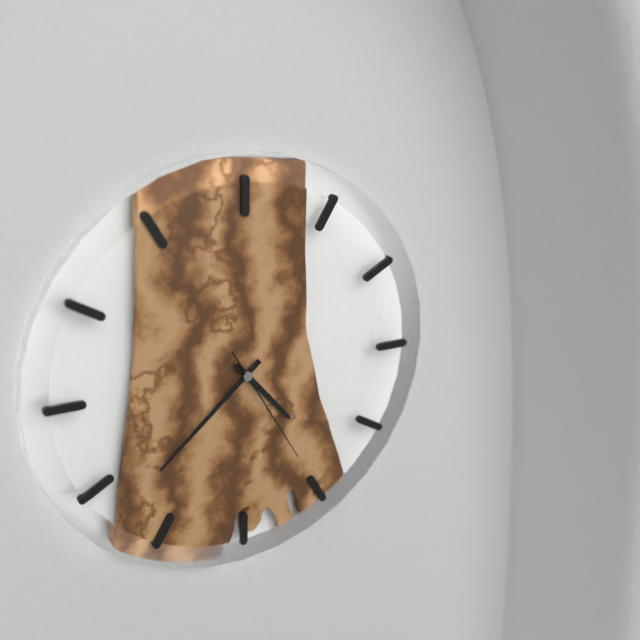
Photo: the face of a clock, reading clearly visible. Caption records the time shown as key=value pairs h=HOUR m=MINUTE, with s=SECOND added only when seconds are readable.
h=4 m=38 s=25
